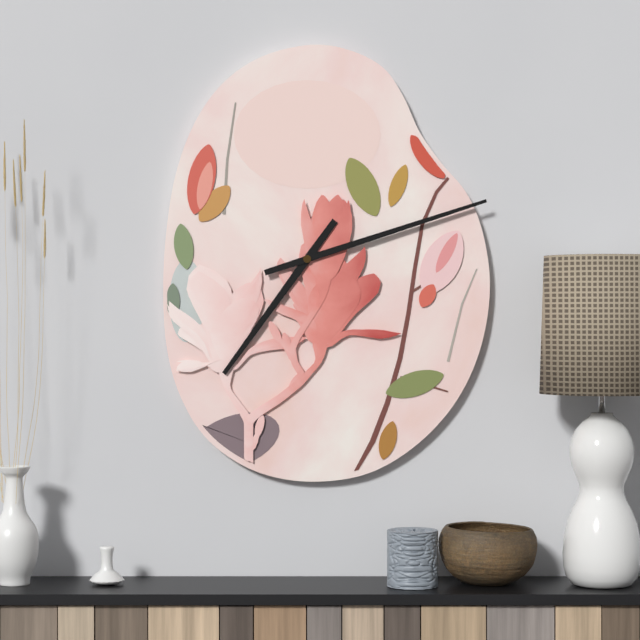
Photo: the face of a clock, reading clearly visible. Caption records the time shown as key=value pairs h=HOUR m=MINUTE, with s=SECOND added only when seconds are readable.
h=7 m=12
